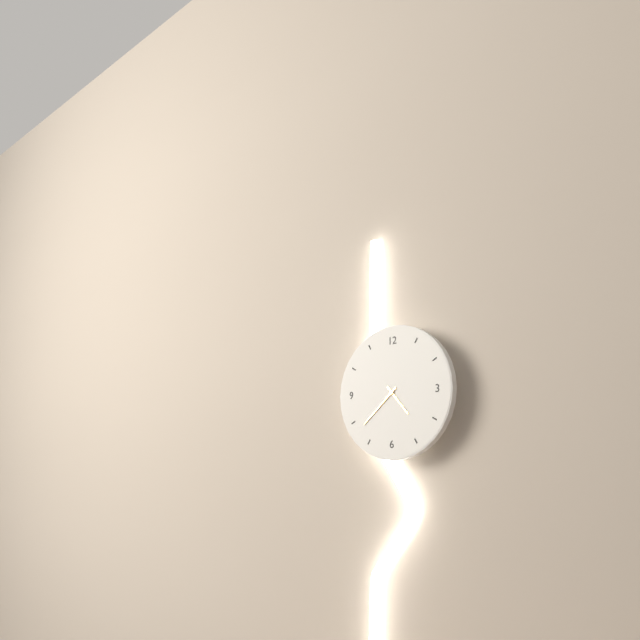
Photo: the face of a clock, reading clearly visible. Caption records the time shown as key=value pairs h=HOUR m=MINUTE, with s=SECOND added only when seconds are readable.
h=4 m=38
